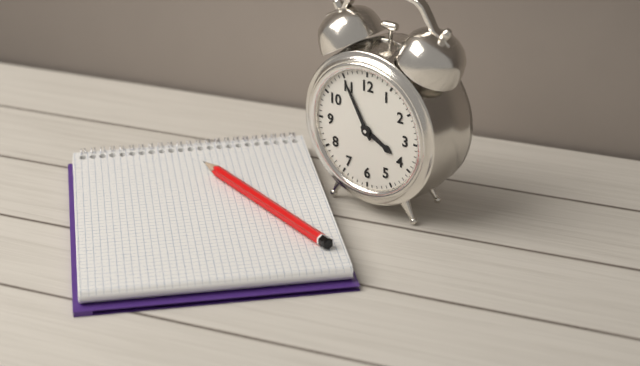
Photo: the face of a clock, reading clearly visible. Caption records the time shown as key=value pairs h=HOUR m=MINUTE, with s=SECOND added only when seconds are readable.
h=3 m=55
